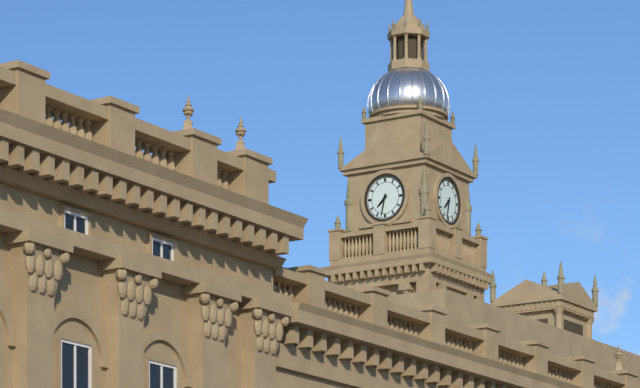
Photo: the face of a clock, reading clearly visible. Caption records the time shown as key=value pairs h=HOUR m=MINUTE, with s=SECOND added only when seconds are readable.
h=7 m=32
